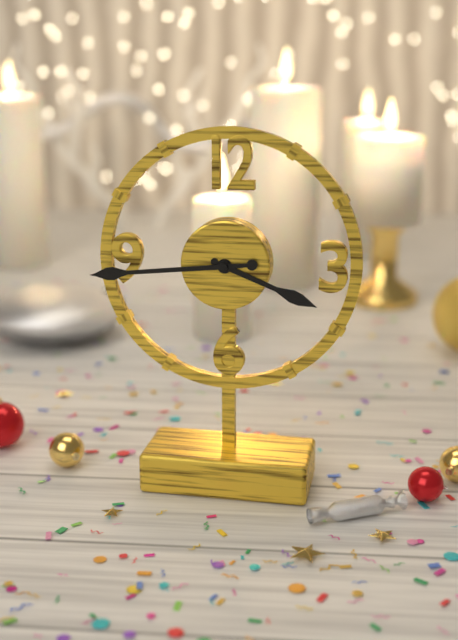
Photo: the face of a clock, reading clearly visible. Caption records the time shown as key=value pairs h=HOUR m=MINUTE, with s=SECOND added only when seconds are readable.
h=3 m=44
